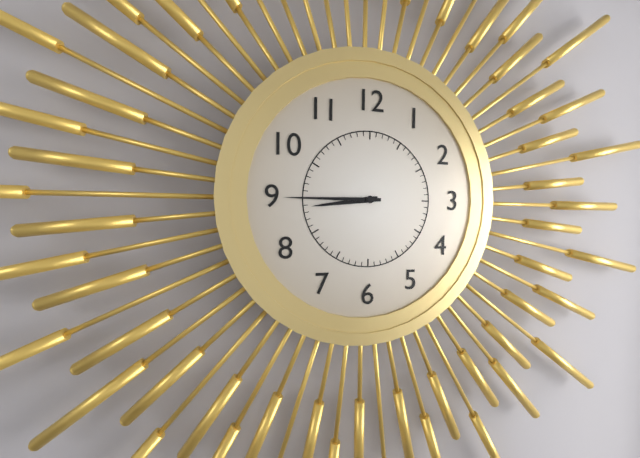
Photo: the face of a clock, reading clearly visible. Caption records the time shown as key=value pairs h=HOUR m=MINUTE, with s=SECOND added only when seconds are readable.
h=8 m=45
